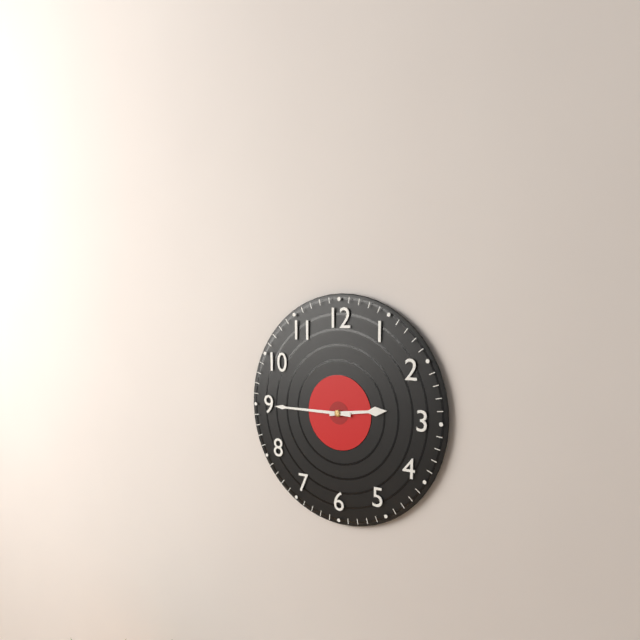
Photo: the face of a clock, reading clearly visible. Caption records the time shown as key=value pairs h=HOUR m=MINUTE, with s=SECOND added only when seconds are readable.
h=2 m=45
